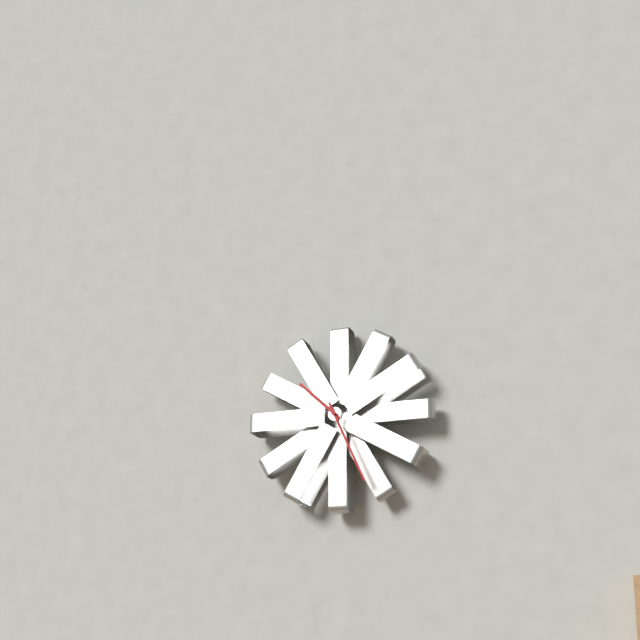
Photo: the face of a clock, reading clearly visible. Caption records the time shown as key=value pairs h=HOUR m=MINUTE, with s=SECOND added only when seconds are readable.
h=10 m=26
